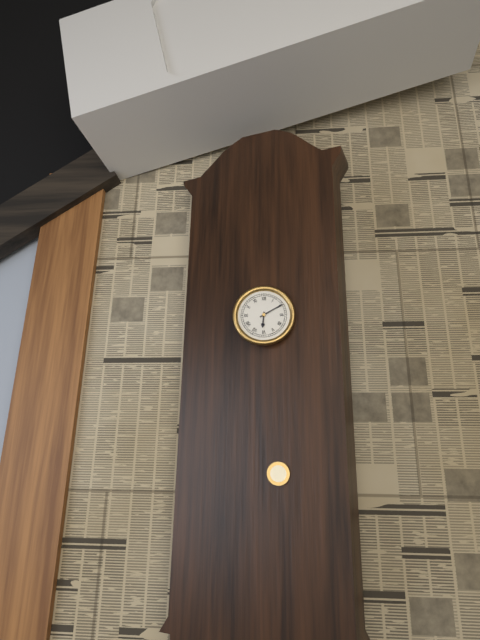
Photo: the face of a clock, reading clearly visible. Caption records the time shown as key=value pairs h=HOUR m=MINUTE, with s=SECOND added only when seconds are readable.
h=6 m=10
